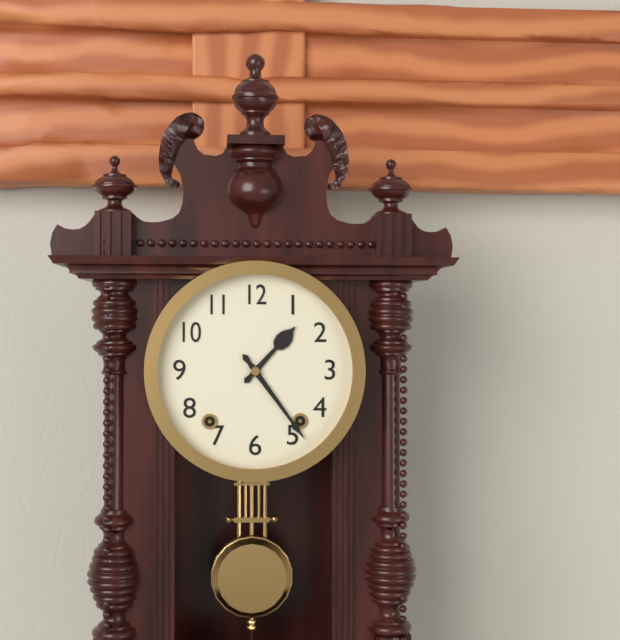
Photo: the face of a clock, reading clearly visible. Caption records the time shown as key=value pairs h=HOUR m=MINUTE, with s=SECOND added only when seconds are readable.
h=1 m=24
